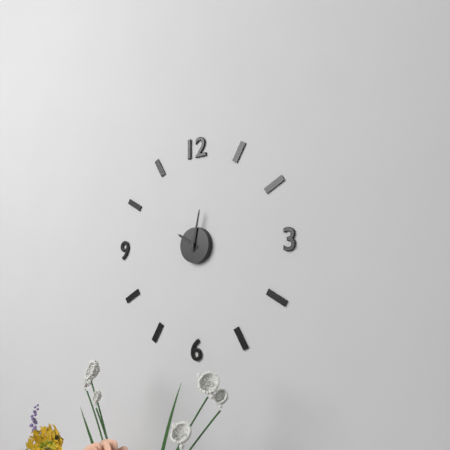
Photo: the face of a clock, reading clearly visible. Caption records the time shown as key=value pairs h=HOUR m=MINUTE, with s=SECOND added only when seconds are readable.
h=10 m=2
